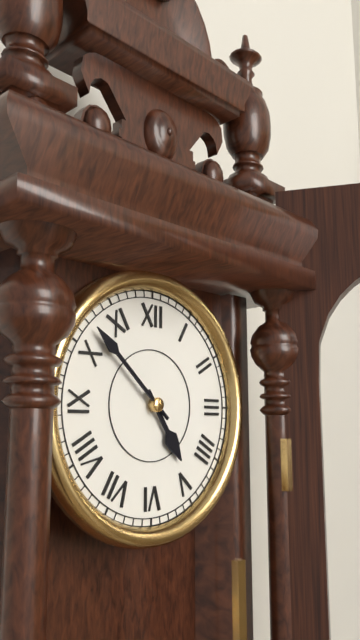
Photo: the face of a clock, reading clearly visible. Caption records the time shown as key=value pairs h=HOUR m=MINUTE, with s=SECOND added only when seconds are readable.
h=4 m=52
